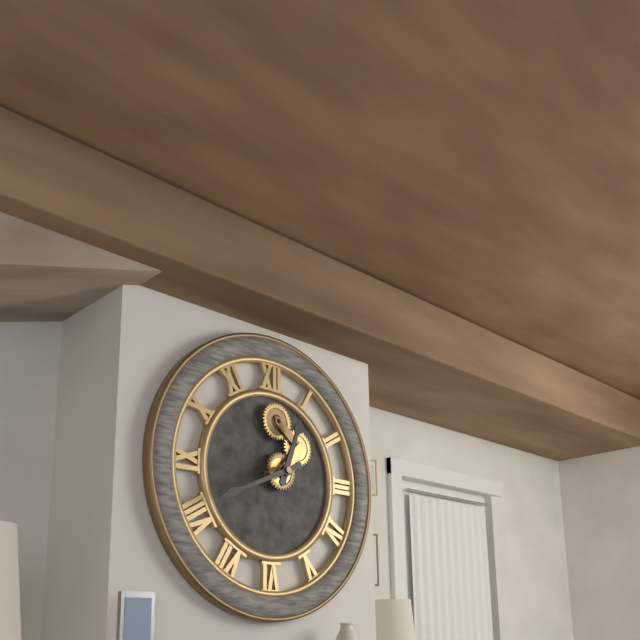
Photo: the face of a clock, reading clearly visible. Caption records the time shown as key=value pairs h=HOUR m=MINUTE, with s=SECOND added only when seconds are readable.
h=12 m=41
